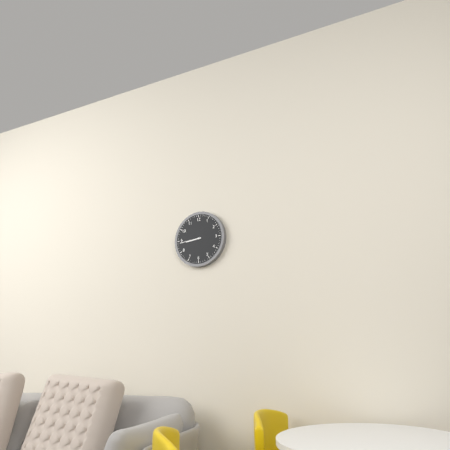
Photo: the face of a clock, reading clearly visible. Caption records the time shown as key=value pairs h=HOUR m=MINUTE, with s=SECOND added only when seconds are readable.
h=8 m=44
